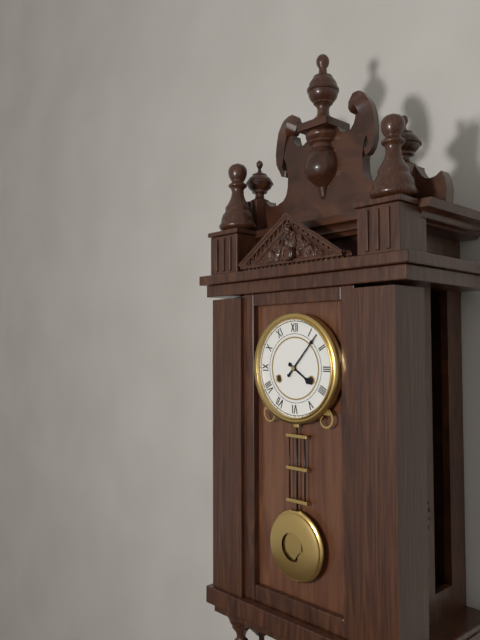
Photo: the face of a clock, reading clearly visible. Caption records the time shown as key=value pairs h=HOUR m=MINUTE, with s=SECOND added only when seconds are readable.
h=4 m=7
